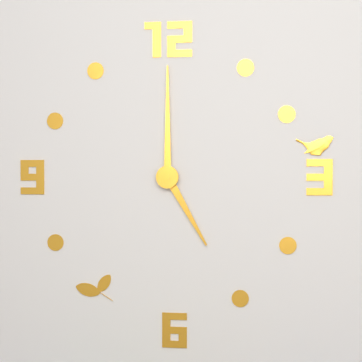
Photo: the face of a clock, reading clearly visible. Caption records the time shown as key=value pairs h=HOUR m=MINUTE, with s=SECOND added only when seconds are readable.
h=5 m=0
